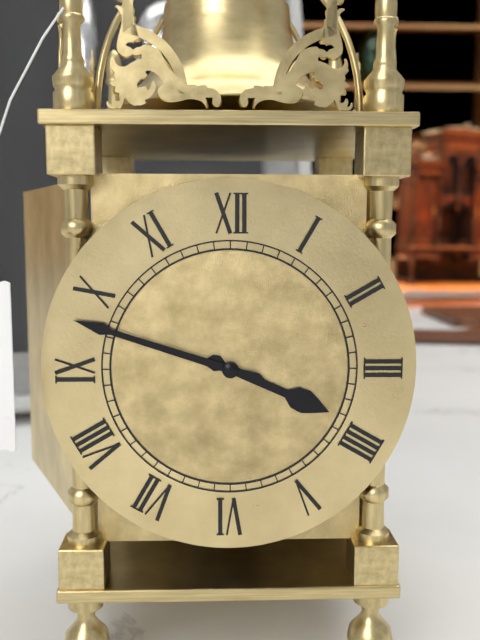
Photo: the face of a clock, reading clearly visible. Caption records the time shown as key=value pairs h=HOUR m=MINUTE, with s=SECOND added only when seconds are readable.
h=3 m=48
